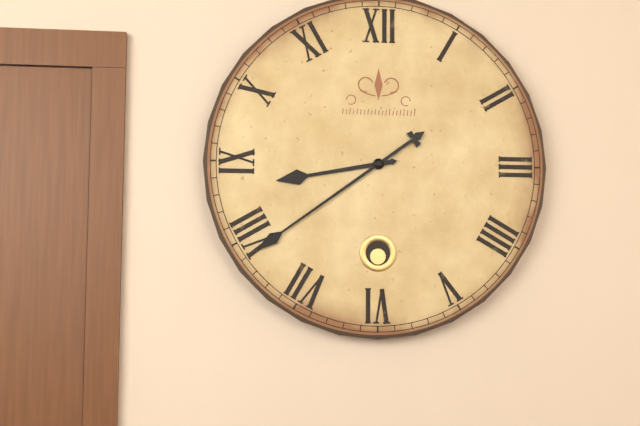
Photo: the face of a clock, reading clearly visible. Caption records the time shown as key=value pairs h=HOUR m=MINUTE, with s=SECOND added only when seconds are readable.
h=8 m=39
